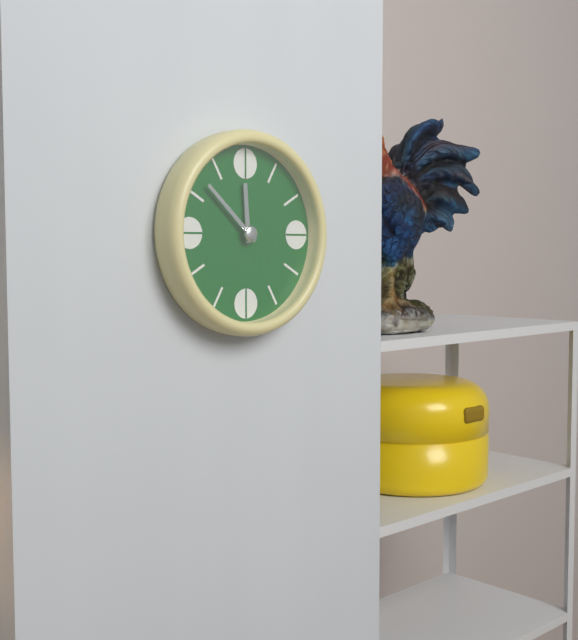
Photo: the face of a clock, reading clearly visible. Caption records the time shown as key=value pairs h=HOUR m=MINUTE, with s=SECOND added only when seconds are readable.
h=11 m=52
